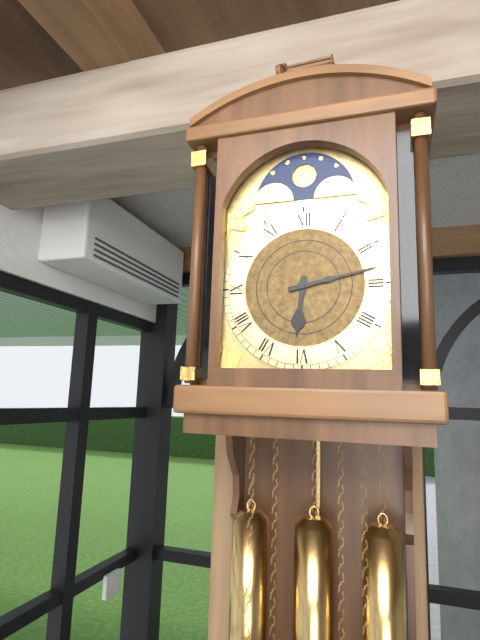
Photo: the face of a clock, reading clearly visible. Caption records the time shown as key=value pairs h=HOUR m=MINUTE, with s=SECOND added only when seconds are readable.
h=6 m=13
